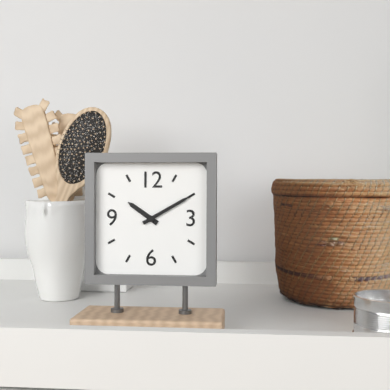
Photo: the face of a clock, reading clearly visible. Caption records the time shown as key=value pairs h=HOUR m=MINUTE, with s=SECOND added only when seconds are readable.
h=10 m=10
